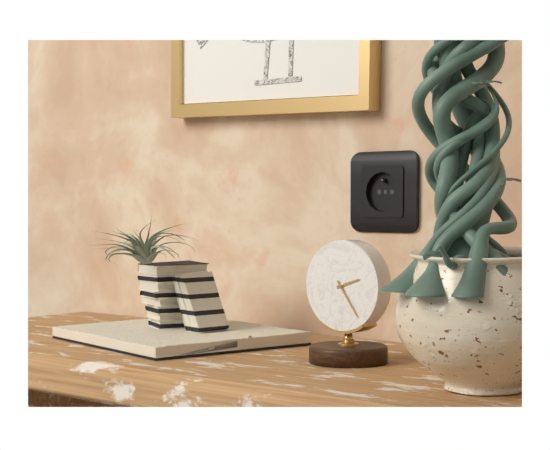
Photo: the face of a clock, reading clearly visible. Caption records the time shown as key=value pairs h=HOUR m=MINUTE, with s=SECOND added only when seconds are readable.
h=2 m=24
